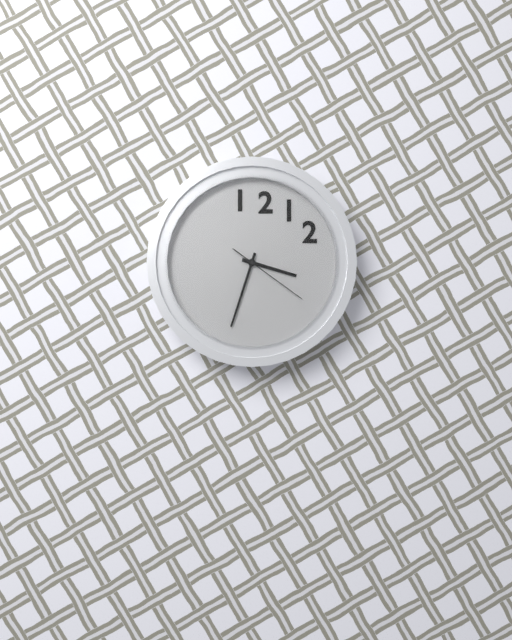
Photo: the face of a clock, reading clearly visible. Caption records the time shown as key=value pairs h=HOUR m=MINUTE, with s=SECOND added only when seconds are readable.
h=3 m=33 s=21
